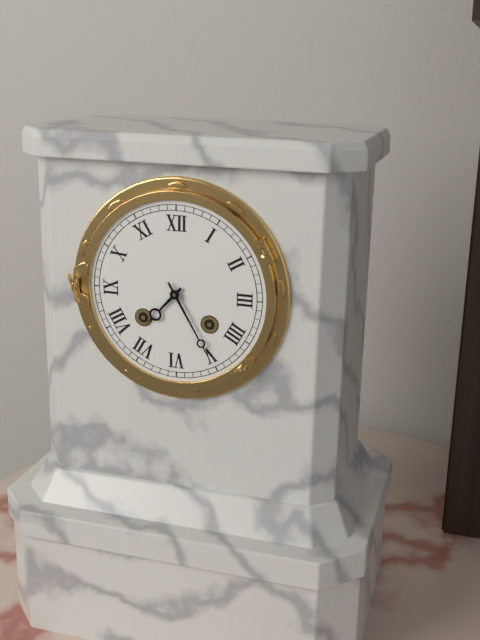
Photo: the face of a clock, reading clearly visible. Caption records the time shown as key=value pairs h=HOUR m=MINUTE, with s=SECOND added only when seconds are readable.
h=7 m=25
